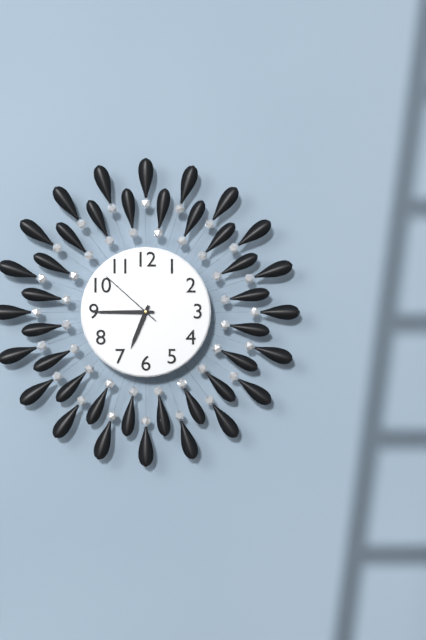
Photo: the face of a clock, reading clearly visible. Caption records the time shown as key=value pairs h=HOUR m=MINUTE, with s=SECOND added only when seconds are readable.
h=6 m=45 s=52
